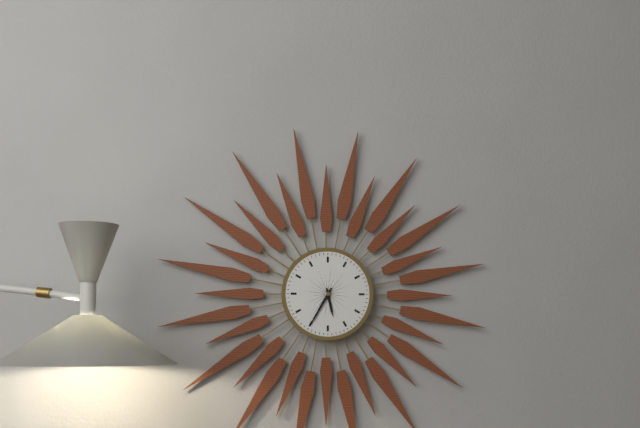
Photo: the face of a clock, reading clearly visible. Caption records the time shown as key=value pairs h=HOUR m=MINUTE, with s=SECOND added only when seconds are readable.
h=5 m=35
